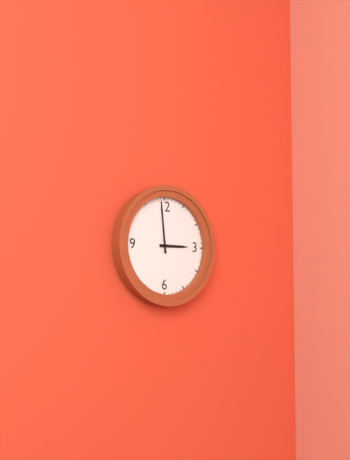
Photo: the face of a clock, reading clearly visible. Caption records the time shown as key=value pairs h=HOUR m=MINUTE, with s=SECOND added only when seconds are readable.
h=2 m=59
